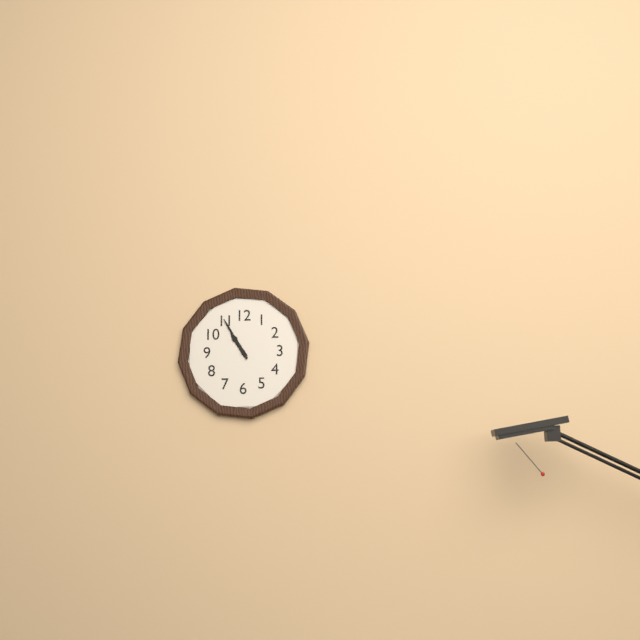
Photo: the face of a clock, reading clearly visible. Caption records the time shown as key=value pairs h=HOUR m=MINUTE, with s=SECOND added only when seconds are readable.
h=10 m=55
